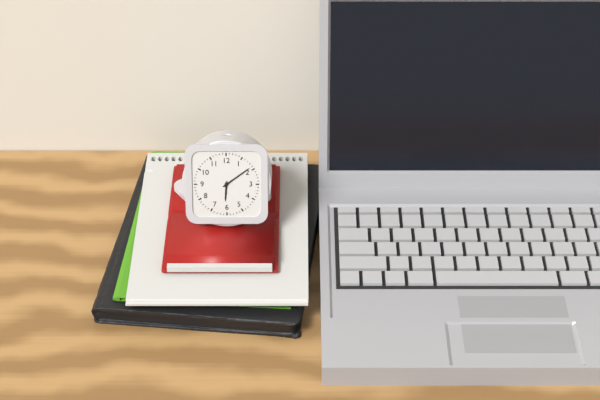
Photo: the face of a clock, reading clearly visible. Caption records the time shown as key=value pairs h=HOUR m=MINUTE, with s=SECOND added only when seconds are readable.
h=6 m=9
